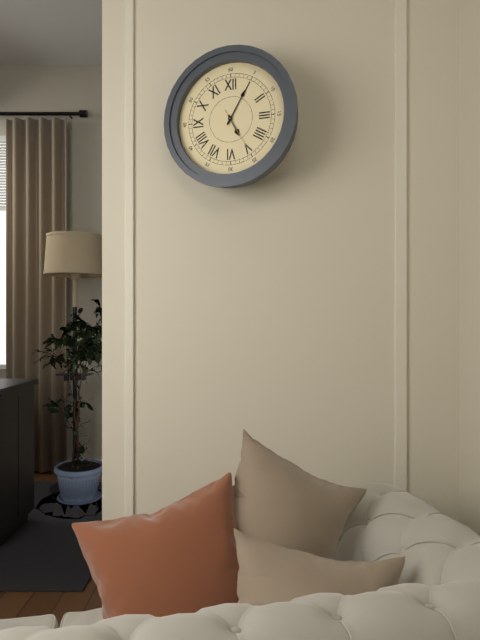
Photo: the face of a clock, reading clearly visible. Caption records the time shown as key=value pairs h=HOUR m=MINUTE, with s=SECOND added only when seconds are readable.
h=5 m=5
